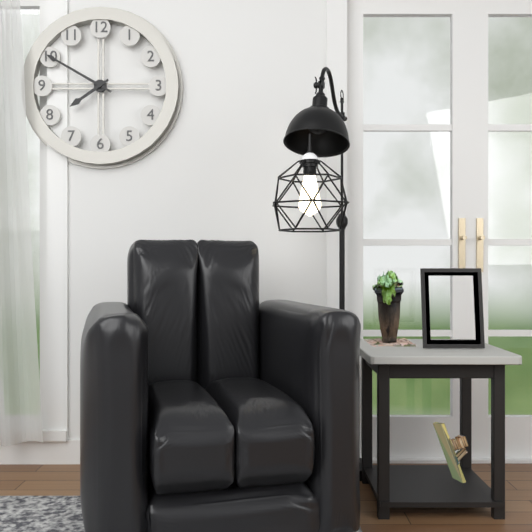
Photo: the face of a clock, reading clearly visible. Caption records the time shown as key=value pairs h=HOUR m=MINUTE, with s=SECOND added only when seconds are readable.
h=7 m=50
